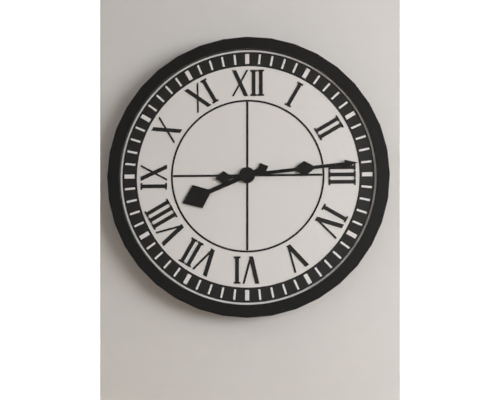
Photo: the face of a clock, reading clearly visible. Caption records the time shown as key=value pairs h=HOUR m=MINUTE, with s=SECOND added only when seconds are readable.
h=8 m=14
